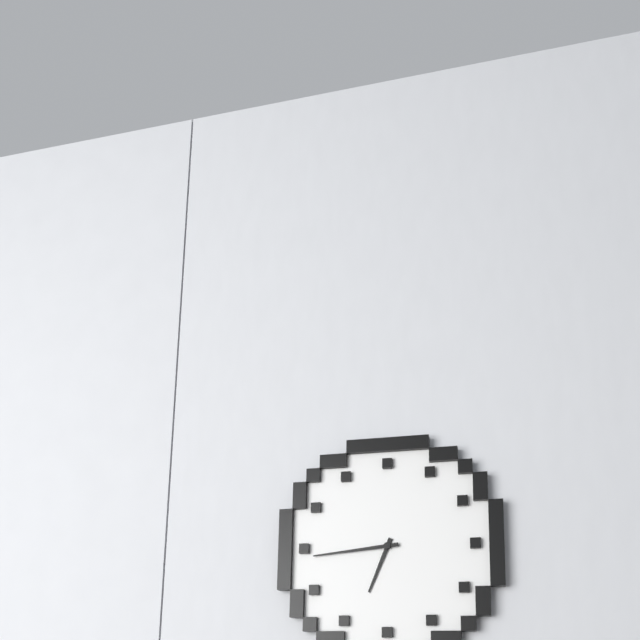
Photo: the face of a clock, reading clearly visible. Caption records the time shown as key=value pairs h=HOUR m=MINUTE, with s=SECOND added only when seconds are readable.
h=6 m=44
